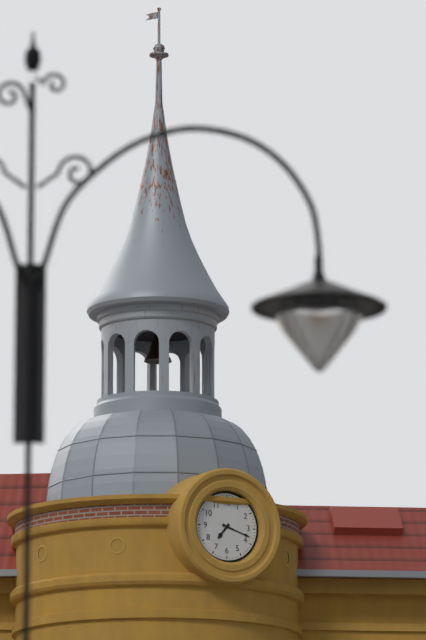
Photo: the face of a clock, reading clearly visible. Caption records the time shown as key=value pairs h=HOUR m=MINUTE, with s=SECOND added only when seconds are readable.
h=7 m=18
